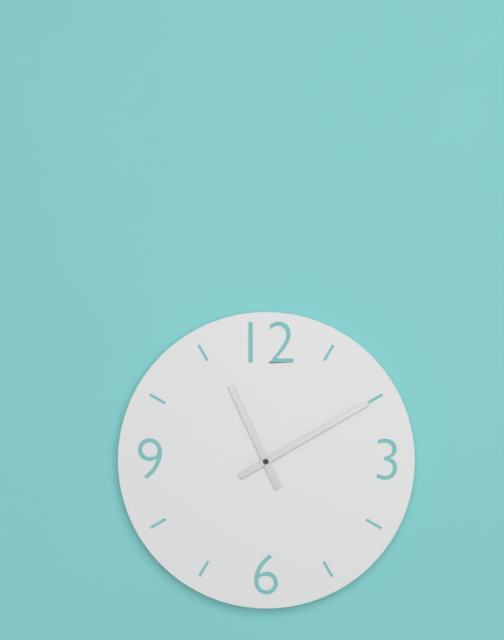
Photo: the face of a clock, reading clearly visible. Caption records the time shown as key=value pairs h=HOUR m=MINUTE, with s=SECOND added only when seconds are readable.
h=11 m=10
